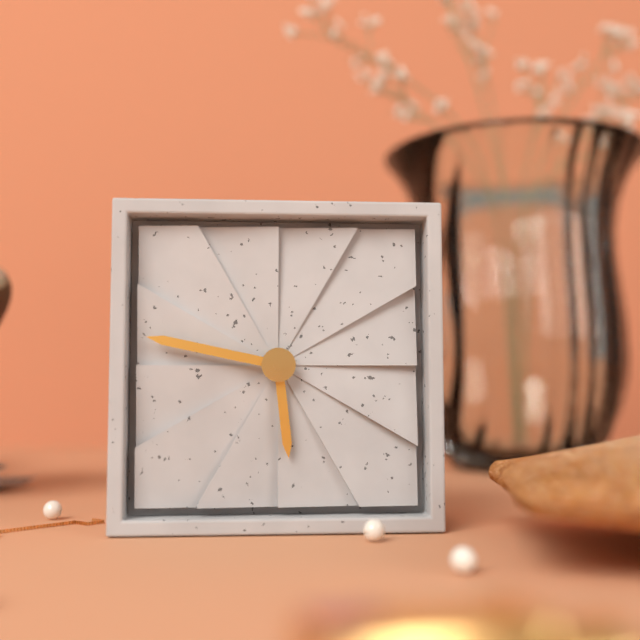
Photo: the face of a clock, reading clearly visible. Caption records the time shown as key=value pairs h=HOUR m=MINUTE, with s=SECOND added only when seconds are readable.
h=5 m=47
